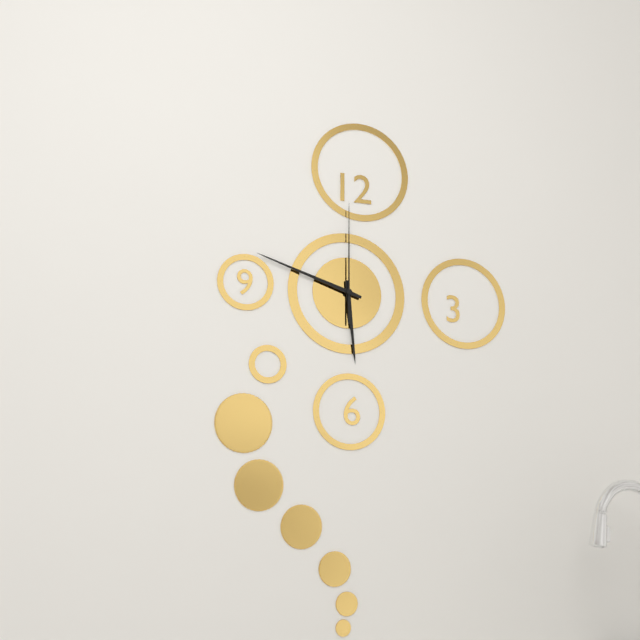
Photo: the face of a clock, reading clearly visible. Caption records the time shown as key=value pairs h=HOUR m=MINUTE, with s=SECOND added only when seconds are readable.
h=5 m=48 s=0
